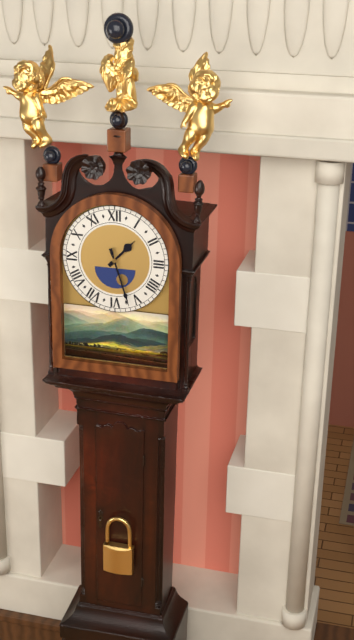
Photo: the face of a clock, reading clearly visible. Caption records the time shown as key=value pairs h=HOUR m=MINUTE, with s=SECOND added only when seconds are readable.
h=1 m=27
